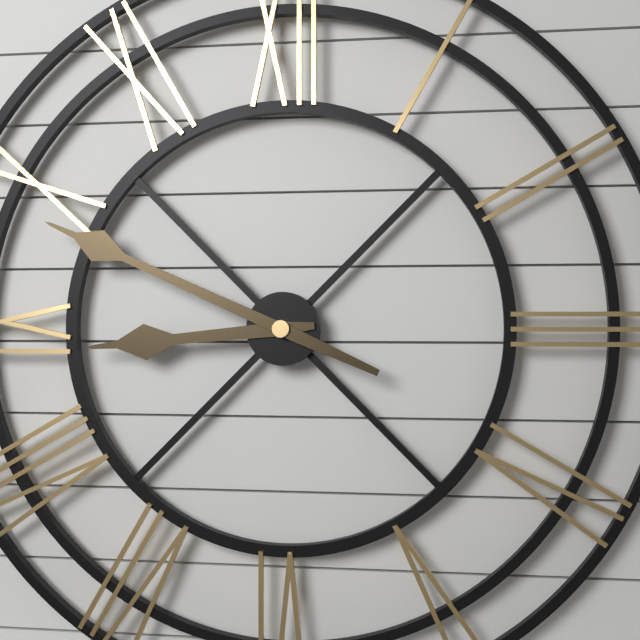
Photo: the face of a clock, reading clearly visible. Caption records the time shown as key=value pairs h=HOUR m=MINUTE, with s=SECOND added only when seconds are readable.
h=8 m=49
